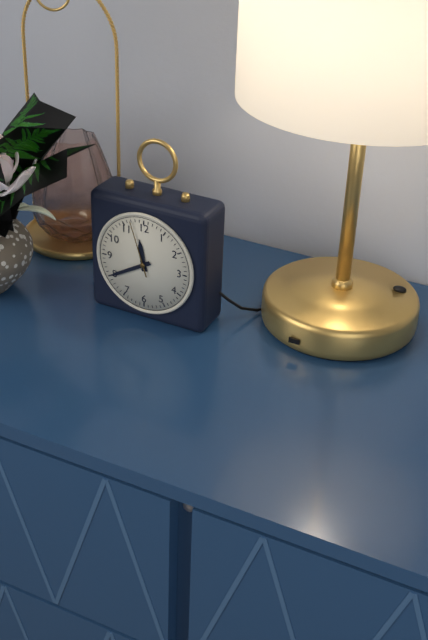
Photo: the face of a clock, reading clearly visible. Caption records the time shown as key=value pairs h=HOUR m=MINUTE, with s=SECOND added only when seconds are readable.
h=11 m=40 s=57
